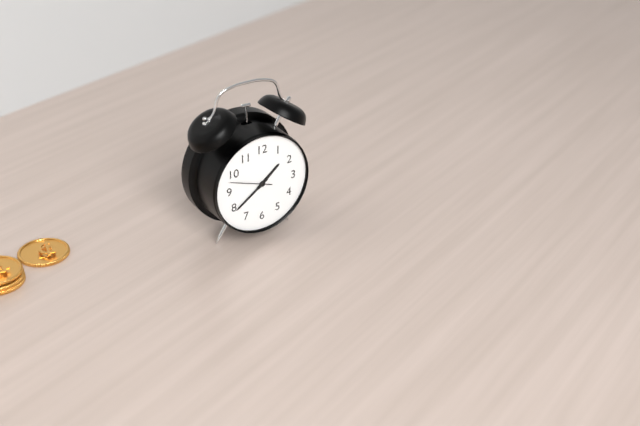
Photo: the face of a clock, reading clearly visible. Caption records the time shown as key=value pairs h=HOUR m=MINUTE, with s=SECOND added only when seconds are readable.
h=1 m=39
